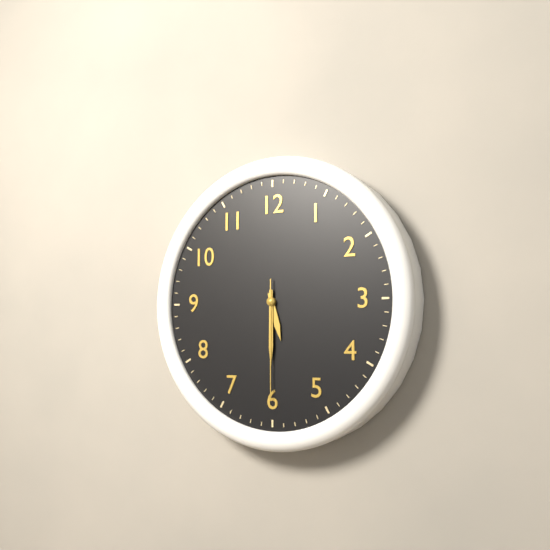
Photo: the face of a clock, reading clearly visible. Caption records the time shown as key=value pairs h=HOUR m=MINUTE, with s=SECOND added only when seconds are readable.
h=5 m=30 s=30
